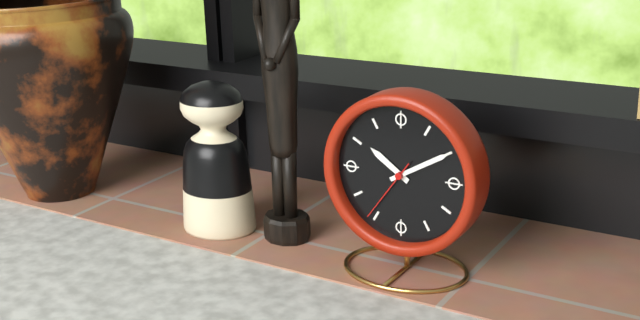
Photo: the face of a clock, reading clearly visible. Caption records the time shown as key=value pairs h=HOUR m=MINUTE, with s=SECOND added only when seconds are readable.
h=10 m=10 s=36
